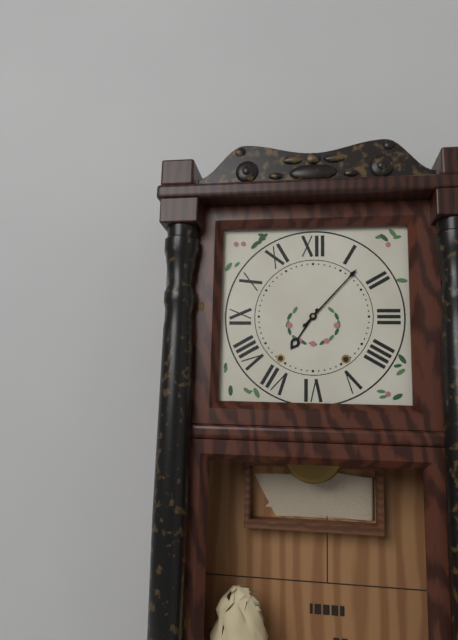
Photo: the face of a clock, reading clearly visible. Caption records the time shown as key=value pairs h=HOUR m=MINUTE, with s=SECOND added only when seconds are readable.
h=7 m=7
